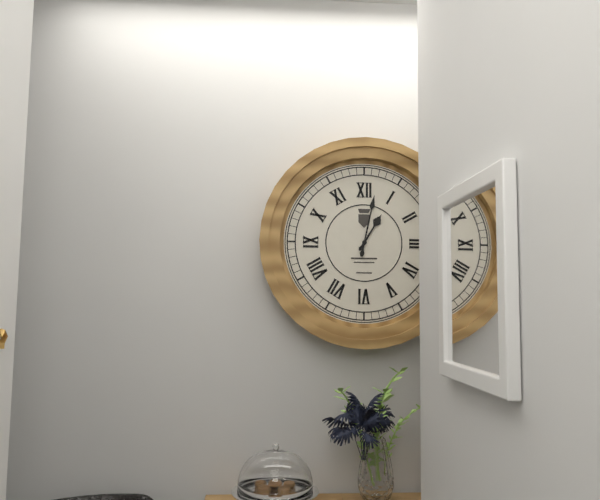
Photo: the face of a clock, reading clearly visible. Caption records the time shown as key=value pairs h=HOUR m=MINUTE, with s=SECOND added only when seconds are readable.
h=1 m=2
